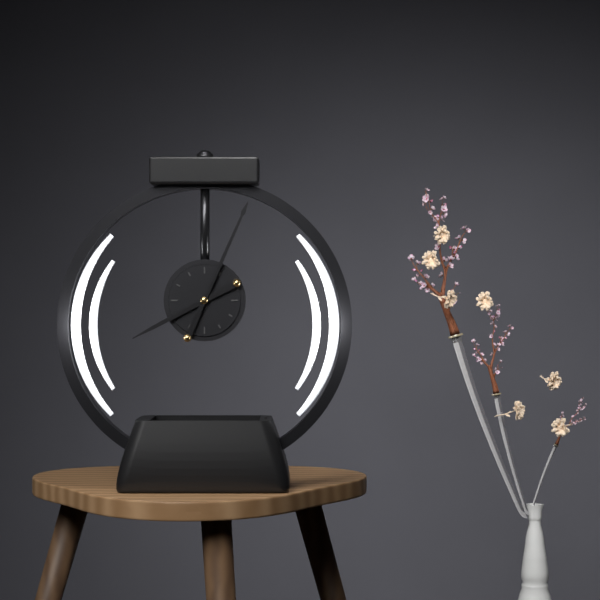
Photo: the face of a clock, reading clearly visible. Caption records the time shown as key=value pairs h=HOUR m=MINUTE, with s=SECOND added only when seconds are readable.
h=8 m=4
